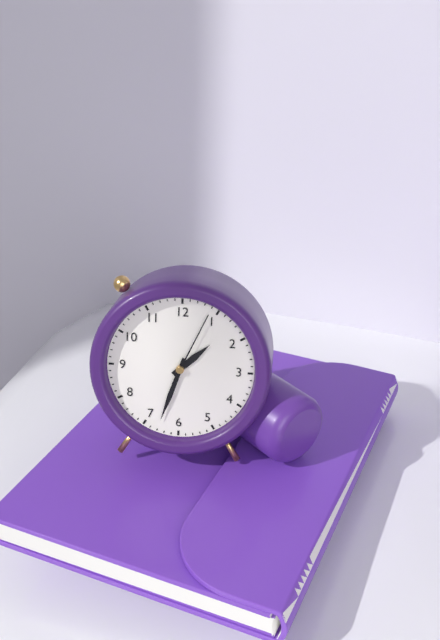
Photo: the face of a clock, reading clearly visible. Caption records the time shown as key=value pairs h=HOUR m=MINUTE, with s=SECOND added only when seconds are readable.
h=1 m=33 s=4
